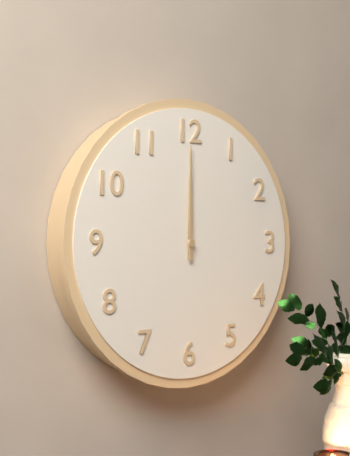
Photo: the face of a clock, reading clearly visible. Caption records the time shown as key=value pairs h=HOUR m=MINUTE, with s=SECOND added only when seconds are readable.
h=12 m=0
